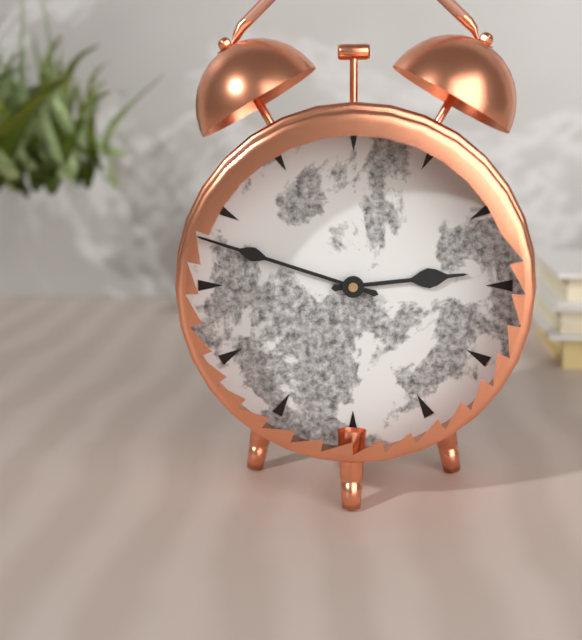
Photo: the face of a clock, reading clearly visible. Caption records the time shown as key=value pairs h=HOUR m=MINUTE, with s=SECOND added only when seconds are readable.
h=2 m=48
